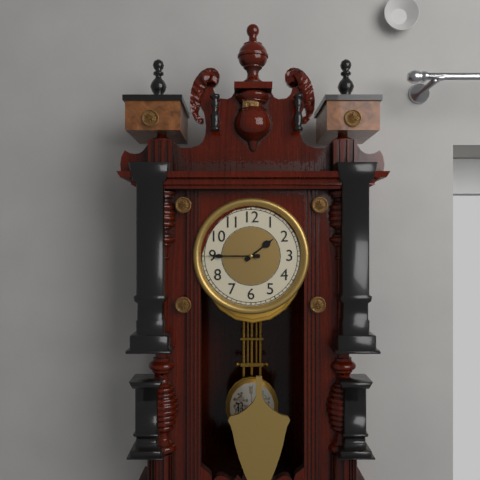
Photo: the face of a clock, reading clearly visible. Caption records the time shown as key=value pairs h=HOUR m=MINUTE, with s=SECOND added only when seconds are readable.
h=1 m=45
